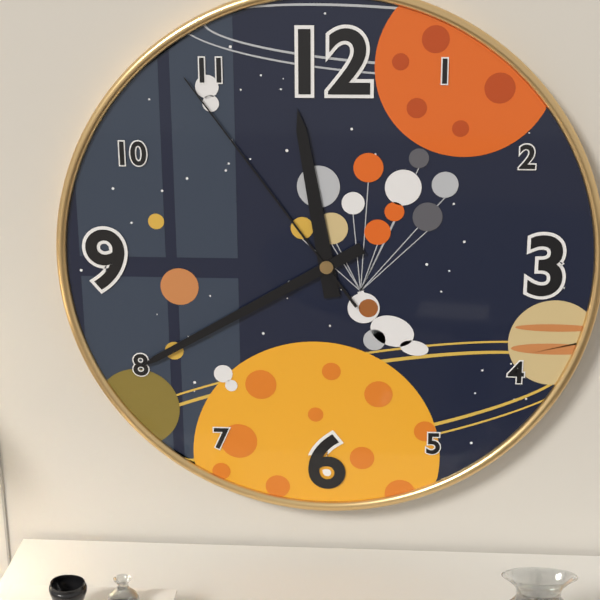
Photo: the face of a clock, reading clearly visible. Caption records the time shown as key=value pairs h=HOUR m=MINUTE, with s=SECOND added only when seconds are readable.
h=11 m=40 s=54
